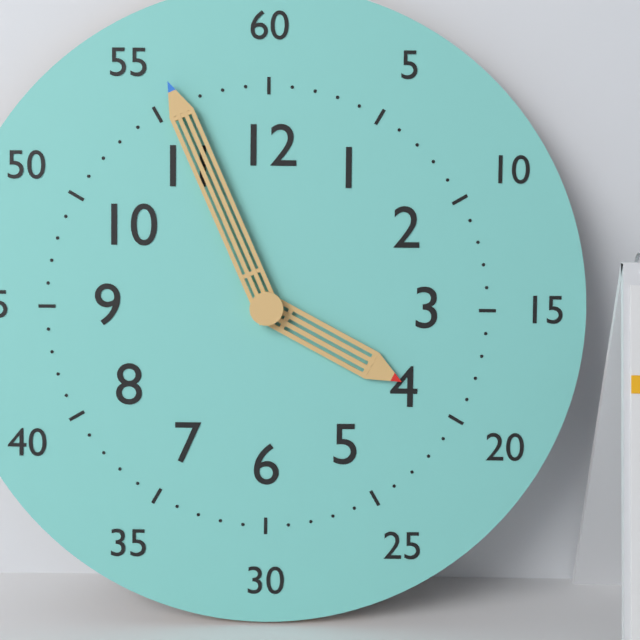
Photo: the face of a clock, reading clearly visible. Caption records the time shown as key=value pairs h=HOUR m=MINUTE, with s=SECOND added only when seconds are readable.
h=3 m=56
